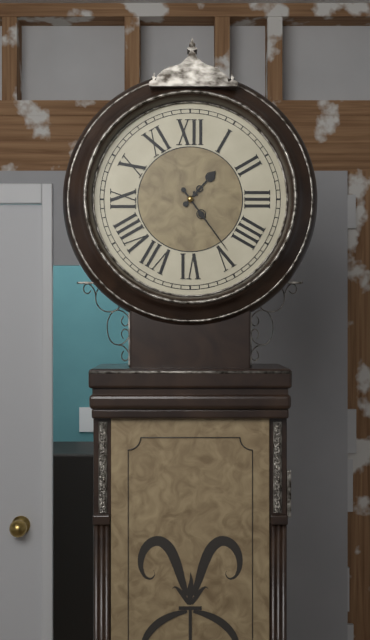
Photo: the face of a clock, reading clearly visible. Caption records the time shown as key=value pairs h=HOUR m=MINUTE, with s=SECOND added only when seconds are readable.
h=1 m=24
